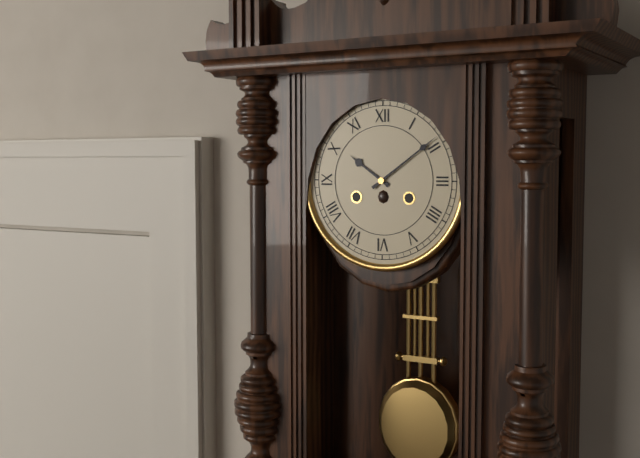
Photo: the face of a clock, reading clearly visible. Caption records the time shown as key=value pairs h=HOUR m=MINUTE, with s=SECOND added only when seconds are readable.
h=10 m=9
